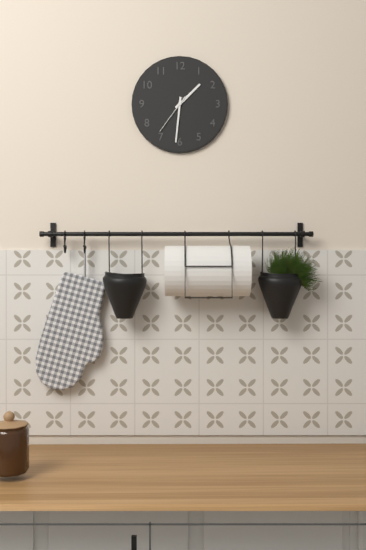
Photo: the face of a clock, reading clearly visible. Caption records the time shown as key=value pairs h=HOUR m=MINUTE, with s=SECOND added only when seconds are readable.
h=1 m=31
